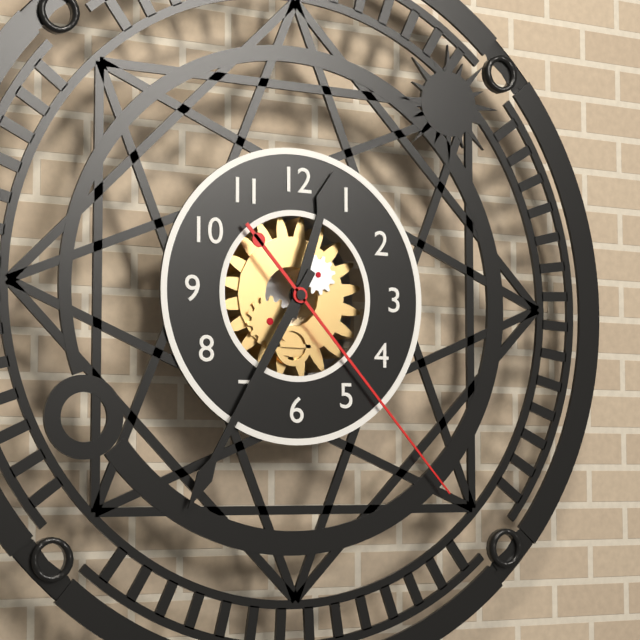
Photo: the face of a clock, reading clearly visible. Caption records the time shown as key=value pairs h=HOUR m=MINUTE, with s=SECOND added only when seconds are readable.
h=12 m=35 s=23
